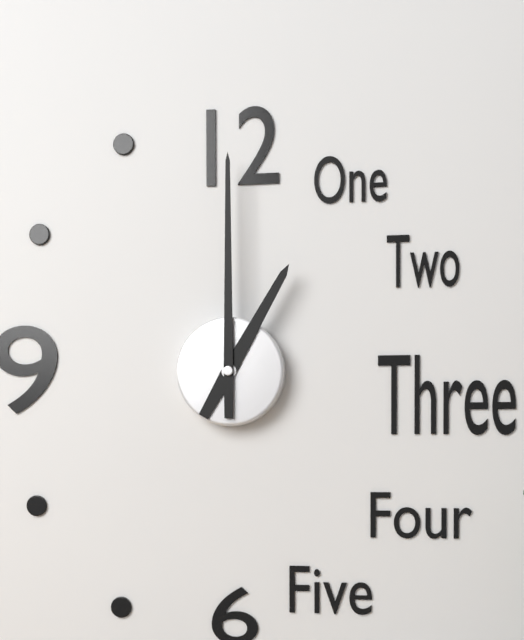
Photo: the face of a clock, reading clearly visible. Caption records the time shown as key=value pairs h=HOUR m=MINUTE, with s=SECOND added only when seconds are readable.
h=1 m=0
